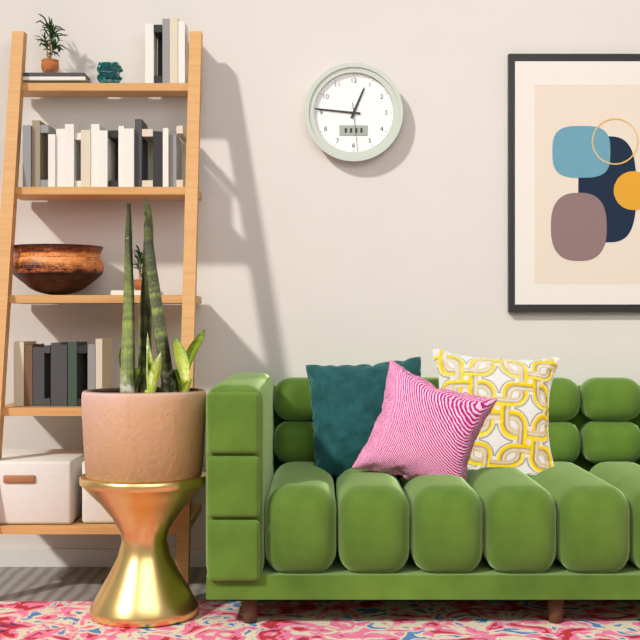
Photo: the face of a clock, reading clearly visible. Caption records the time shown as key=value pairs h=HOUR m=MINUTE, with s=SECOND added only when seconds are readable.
h=12 m=46 s=29
